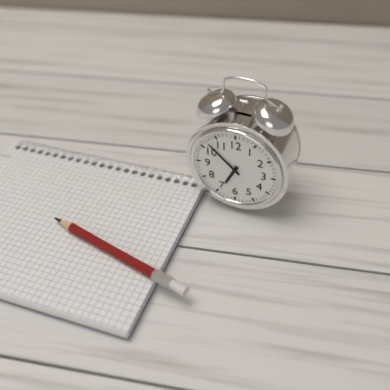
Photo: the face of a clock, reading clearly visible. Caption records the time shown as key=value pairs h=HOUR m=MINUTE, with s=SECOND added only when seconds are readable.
h=6 m=52
